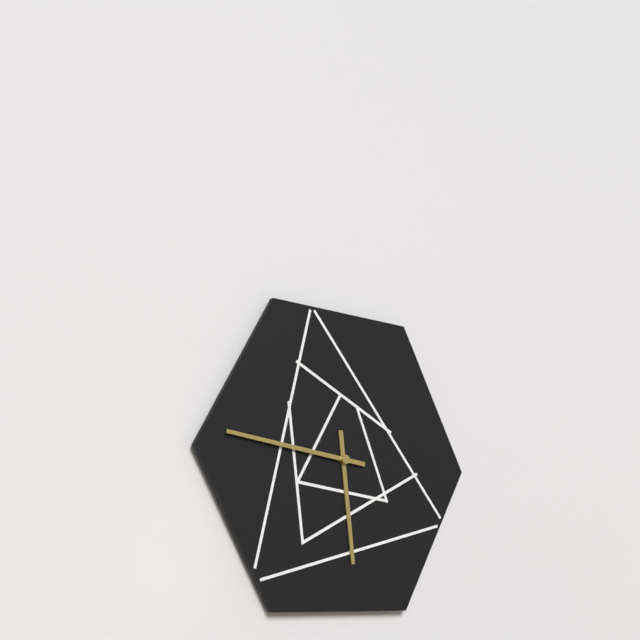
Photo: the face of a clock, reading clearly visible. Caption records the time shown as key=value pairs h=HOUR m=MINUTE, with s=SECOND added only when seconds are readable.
h=5 m=46
